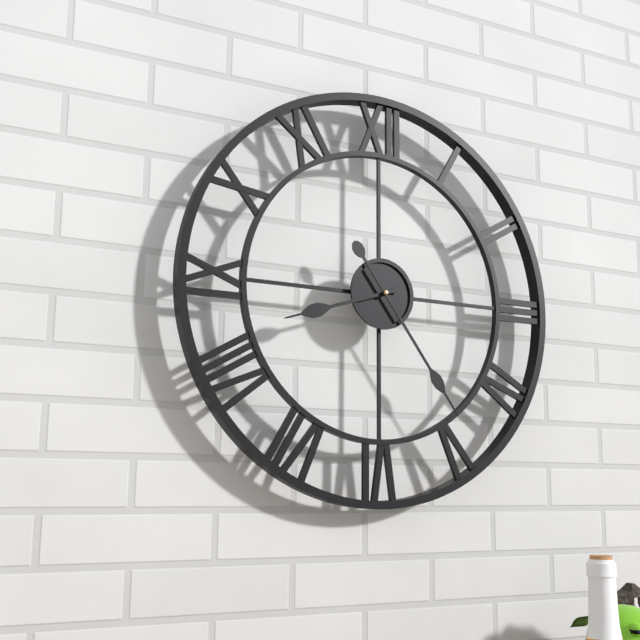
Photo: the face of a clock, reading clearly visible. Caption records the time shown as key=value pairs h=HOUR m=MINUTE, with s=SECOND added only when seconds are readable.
h=8 m=24
